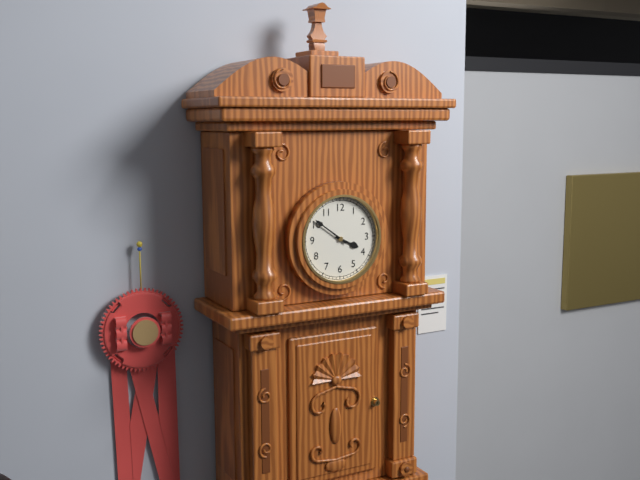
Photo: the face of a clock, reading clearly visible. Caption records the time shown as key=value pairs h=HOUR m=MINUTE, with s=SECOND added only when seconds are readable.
h=3 m=51
